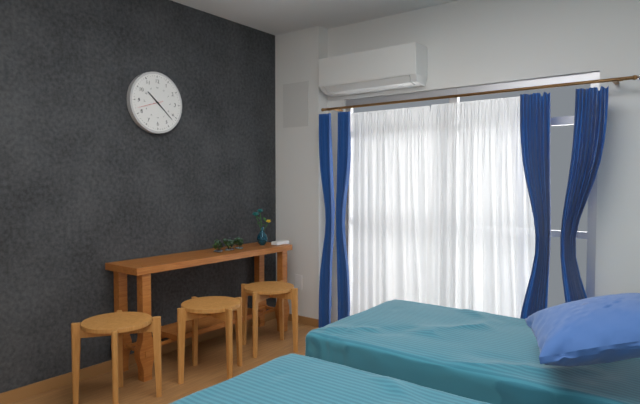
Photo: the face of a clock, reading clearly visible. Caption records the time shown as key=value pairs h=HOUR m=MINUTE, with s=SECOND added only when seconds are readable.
h=10 m=22
